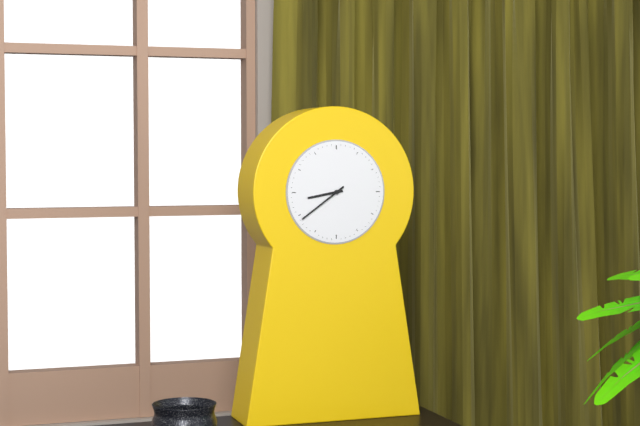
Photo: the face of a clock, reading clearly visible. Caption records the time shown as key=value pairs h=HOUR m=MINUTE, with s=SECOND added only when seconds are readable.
h=8 m=39
